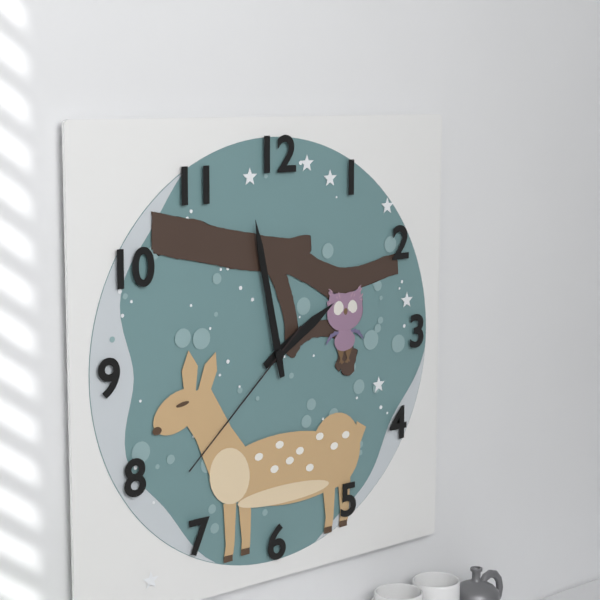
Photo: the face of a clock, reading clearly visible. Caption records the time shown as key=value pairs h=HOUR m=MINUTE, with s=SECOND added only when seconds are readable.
h=1 m=58 s=38
